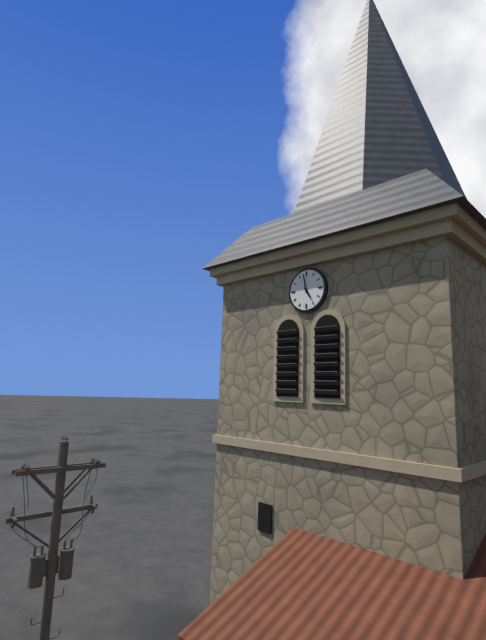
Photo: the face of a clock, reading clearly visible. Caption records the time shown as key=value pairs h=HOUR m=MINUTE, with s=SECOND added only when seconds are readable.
h=4 m=58
